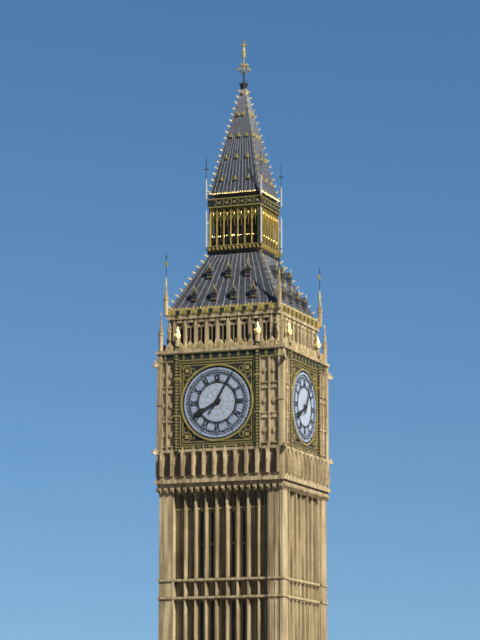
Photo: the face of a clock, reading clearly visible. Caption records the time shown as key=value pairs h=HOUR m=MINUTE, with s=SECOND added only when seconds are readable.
h=8 m=5
